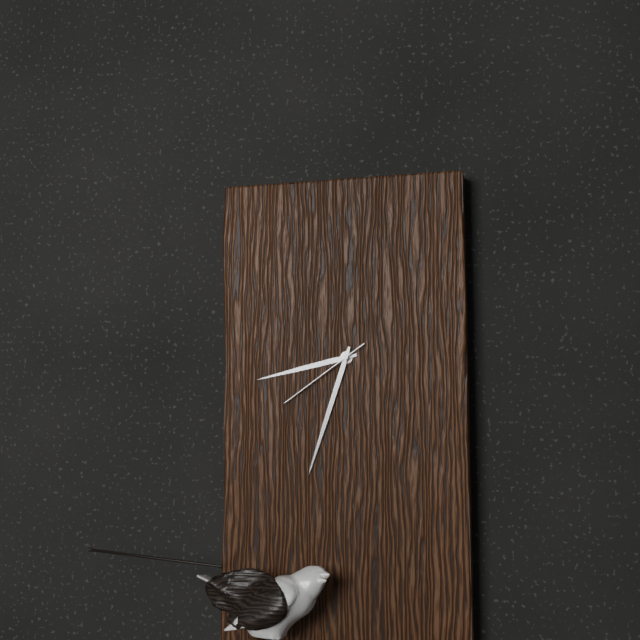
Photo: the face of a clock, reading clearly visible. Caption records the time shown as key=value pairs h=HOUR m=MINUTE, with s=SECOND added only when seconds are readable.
h=8 m=33 s=39
